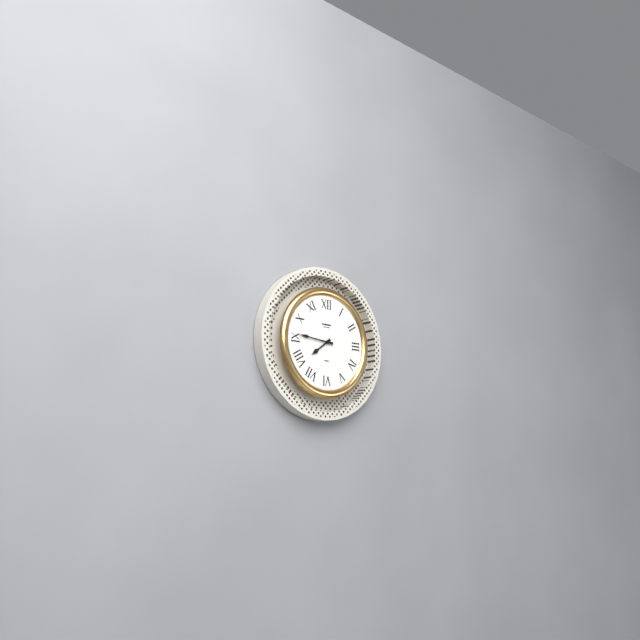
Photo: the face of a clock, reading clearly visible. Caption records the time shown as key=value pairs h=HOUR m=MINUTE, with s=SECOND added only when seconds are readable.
h=7 m=46
